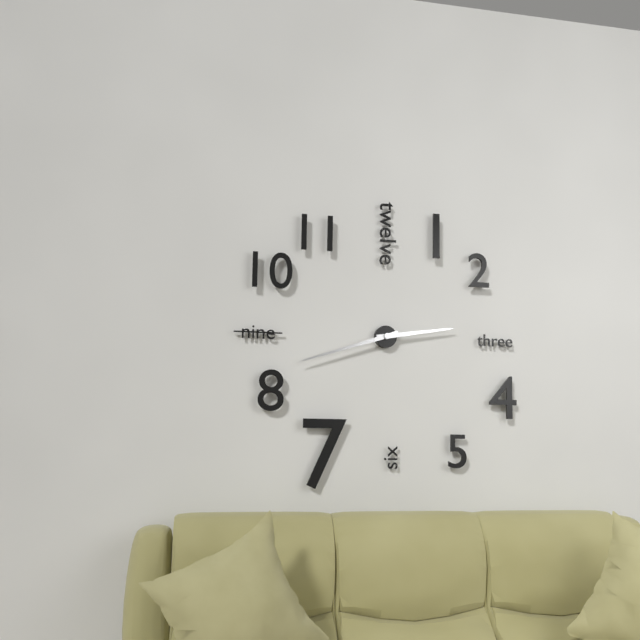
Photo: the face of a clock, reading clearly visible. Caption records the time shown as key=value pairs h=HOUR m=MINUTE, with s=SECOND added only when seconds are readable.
h=2 m=42
